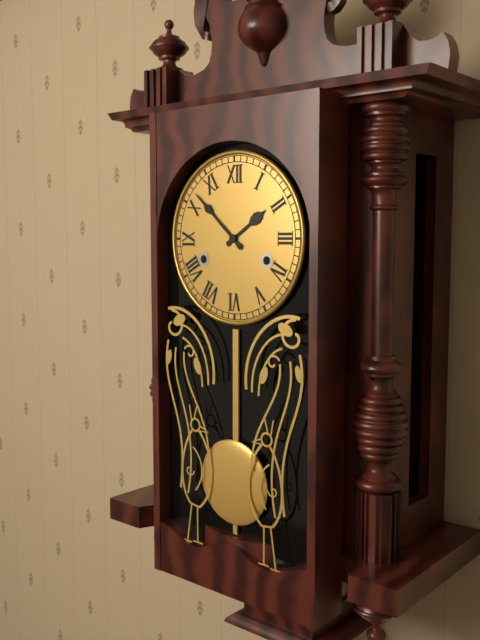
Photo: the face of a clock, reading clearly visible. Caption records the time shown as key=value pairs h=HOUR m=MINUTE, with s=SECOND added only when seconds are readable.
h=1 m=52
